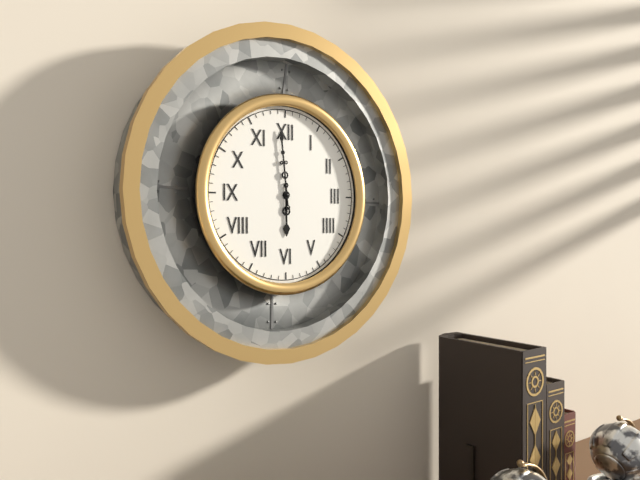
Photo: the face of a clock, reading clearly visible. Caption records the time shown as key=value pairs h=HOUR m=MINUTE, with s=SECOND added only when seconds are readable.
h=5 m=59
